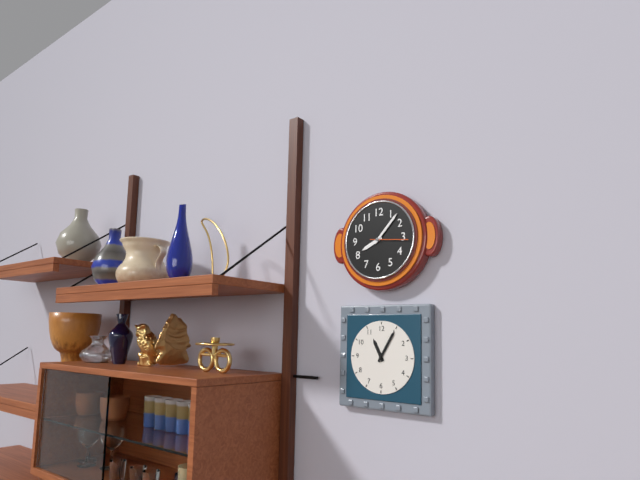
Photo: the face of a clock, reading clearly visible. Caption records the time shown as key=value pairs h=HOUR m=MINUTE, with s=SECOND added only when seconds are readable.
h=8 m=7
